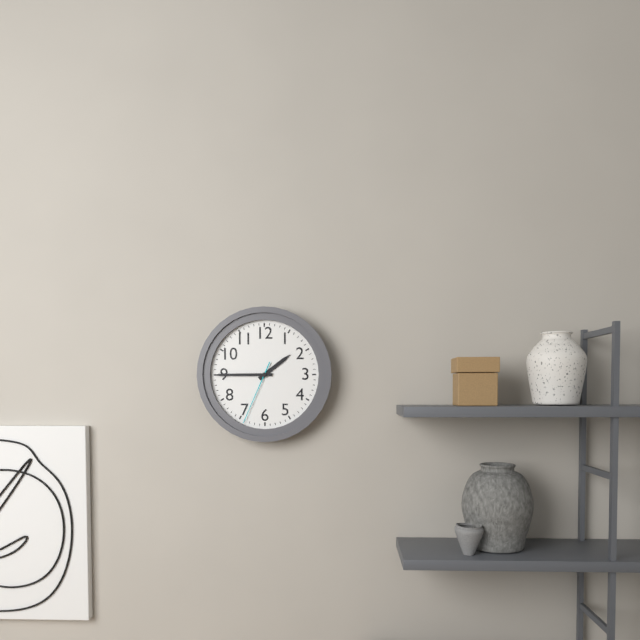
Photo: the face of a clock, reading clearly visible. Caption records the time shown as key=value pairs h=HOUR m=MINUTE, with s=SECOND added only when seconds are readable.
h=1 m=45 s=34
